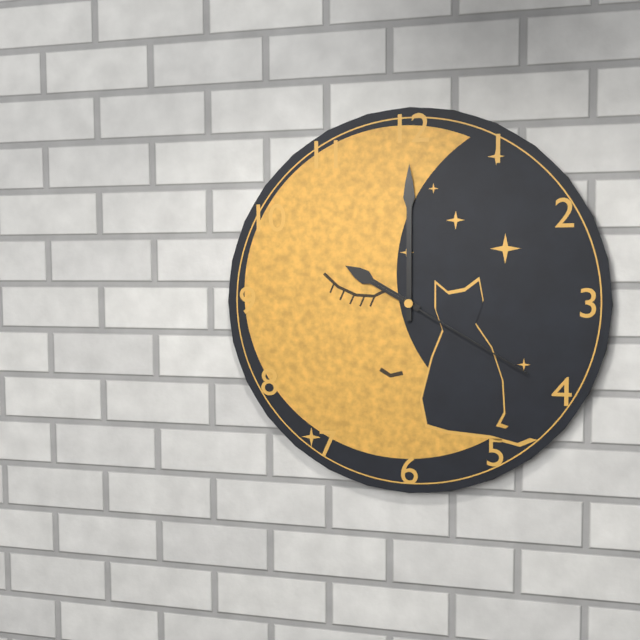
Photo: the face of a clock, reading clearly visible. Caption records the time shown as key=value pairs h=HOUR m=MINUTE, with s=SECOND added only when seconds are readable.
h=10 m=0 s=20
